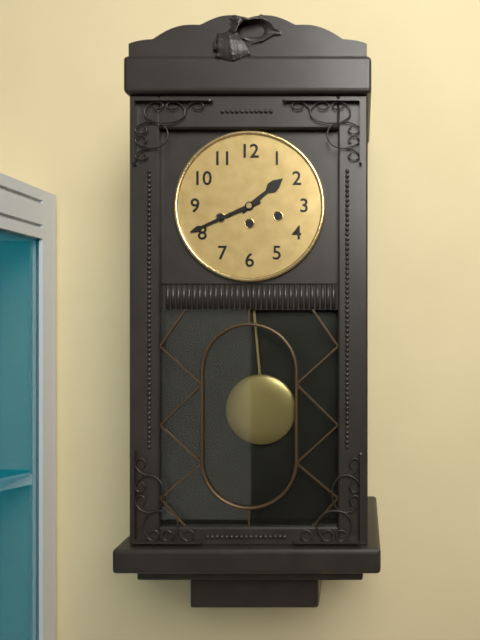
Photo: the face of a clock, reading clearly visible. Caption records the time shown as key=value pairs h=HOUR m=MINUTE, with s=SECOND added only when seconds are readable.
h=1 m=41
